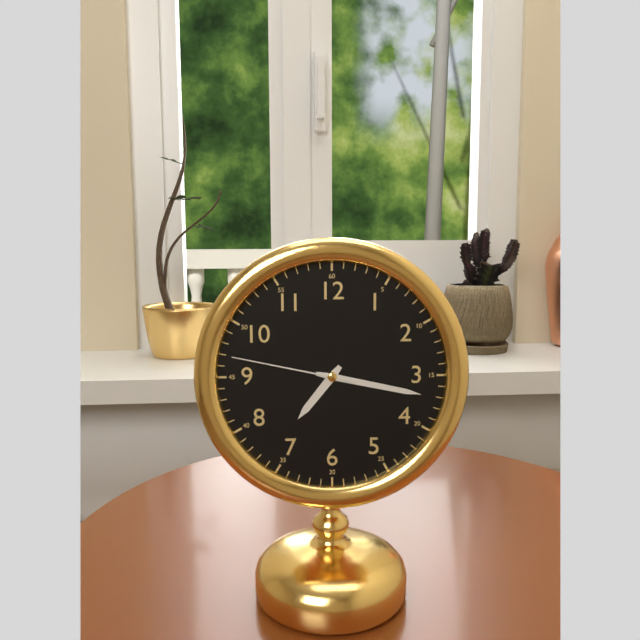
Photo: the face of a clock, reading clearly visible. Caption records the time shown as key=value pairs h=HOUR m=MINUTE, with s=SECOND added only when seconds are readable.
h=7 m=17 s=47
